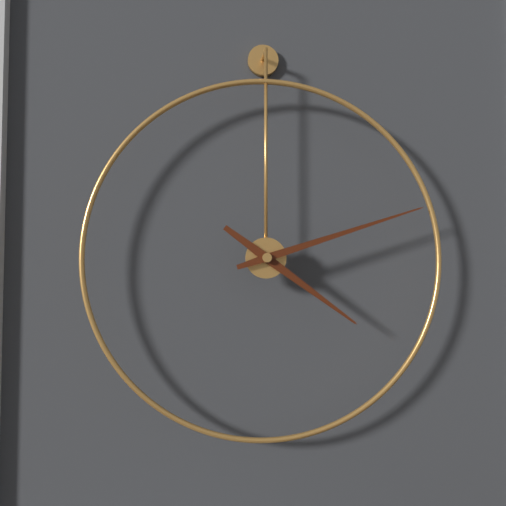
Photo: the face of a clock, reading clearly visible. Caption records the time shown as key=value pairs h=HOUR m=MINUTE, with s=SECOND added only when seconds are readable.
h=4 m=12
